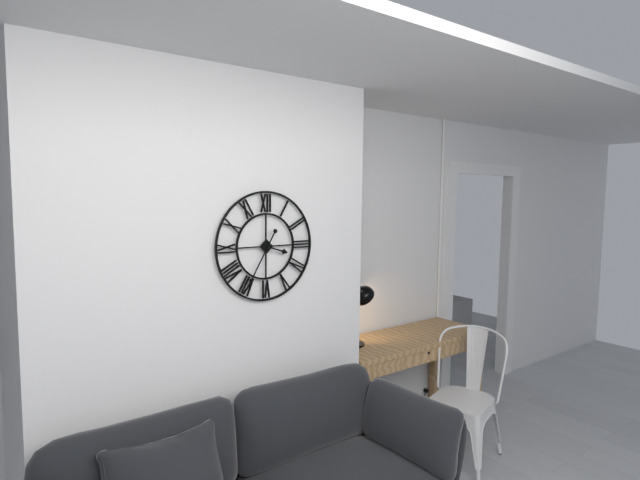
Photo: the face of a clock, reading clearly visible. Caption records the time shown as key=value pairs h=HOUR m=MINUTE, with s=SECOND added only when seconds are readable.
h=3 m=35
